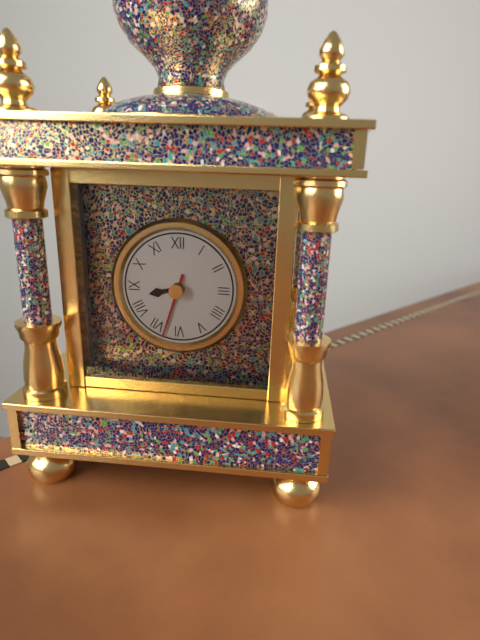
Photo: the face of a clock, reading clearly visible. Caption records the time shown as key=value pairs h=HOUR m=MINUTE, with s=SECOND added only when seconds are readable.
h=8 m=33
